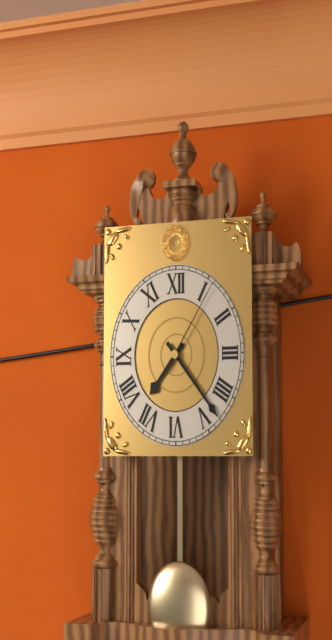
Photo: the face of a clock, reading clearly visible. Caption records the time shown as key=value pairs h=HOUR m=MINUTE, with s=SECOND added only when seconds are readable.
h=7 m=23 s=6
